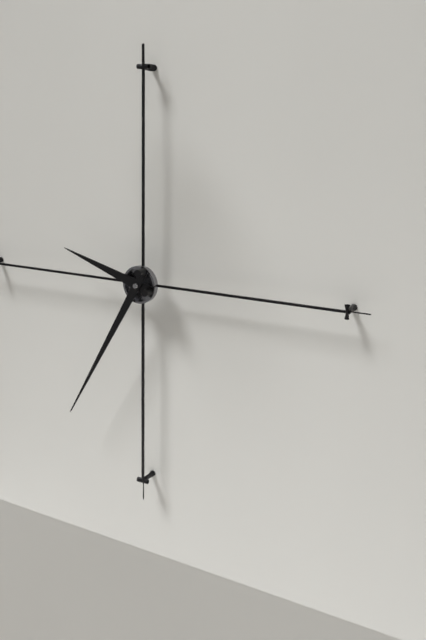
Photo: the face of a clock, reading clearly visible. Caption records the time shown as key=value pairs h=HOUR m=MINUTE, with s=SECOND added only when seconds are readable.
h=9 m=35
